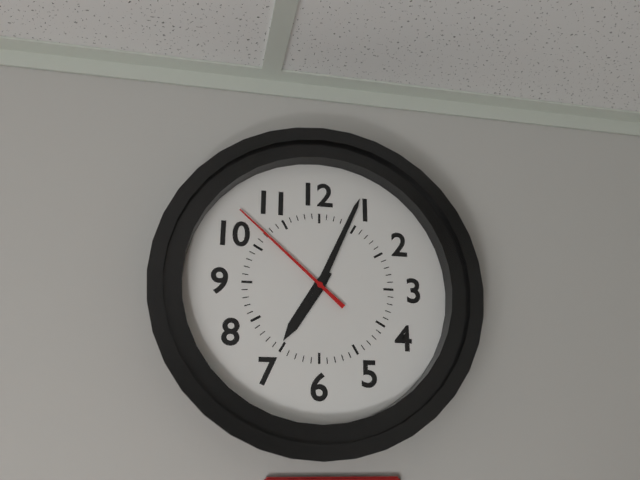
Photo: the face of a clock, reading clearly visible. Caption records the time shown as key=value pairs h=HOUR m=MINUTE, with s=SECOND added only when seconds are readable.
h=7 m=4 s=52
